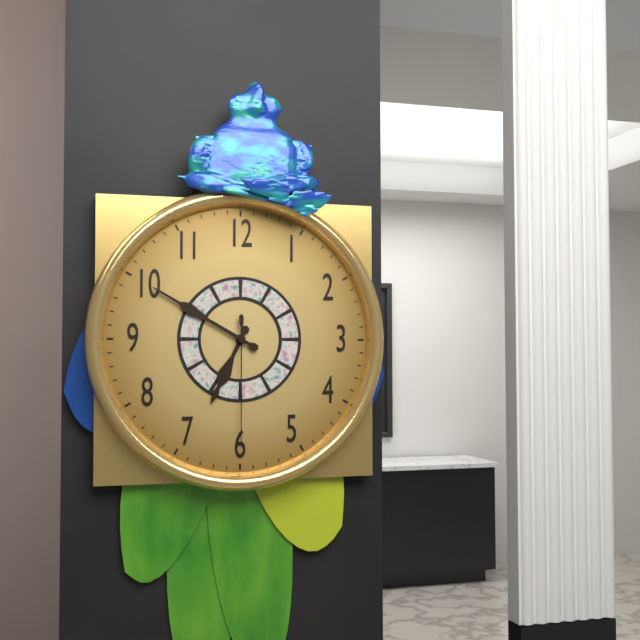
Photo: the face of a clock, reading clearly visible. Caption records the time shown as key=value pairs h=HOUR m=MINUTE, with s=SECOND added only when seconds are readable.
h=6 m=50 s=30
